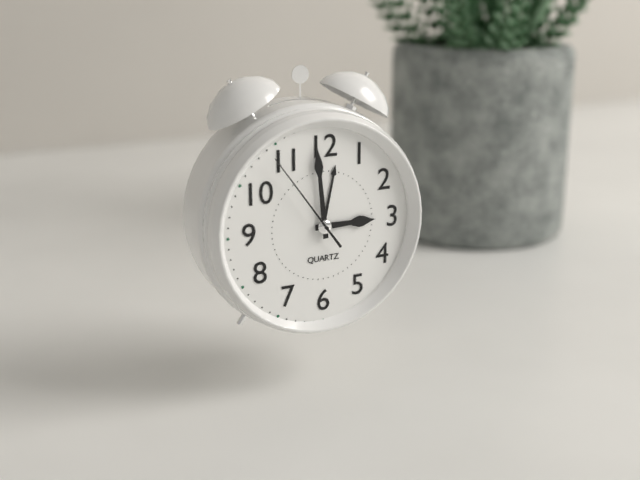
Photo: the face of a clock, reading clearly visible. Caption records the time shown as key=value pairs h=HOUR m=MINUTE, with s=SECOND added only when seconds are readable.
h=2 m=59 s=54
